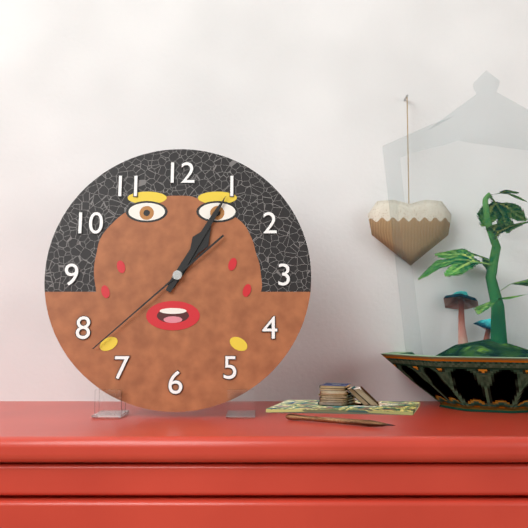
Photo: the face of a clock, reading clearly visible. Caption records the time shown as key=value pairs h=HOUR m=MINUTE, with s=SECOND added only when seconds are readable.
h=1 m=5 s=38
